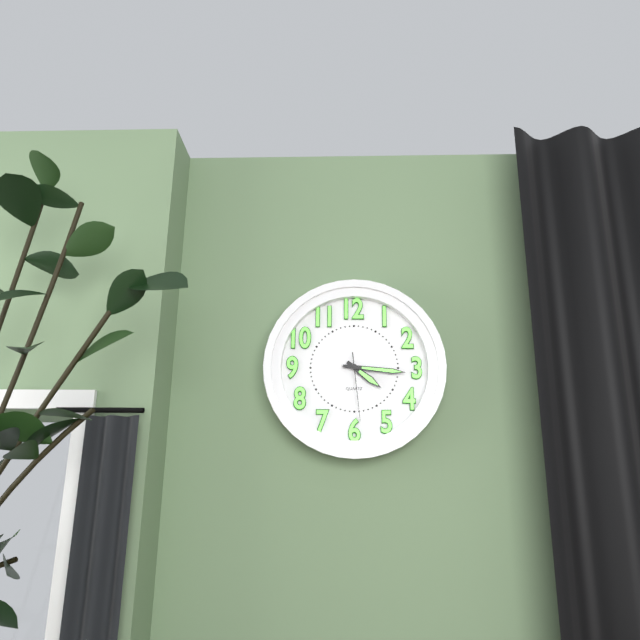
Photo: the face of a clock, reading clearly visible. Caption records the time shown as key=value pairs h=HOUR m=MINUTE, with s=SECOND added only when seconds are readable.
h=4 m=16 s=29
